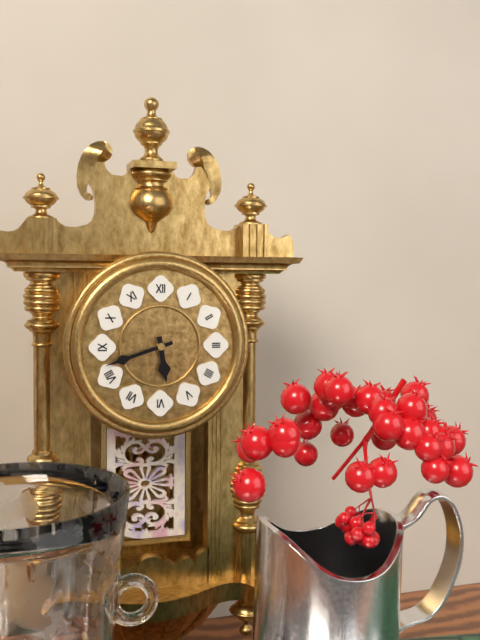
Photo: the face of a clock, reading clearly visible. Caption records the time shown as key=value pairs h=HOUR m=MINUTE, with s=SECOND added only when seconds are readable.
h=5 m=42
